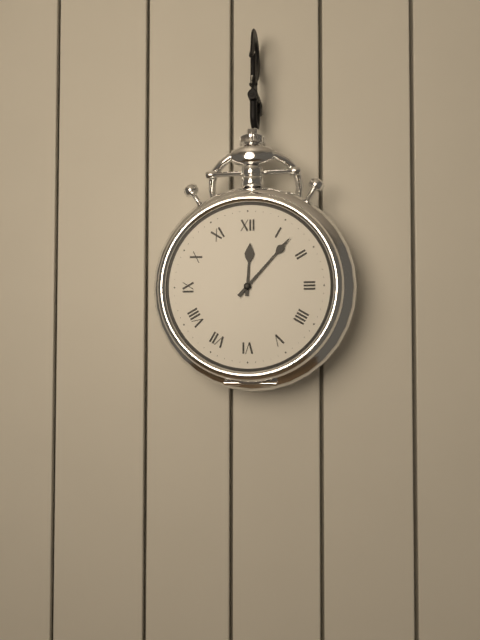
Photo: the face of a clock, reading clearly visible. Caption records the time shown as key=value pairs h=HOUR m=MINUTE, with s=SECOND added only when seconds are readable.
h=12 m=7
